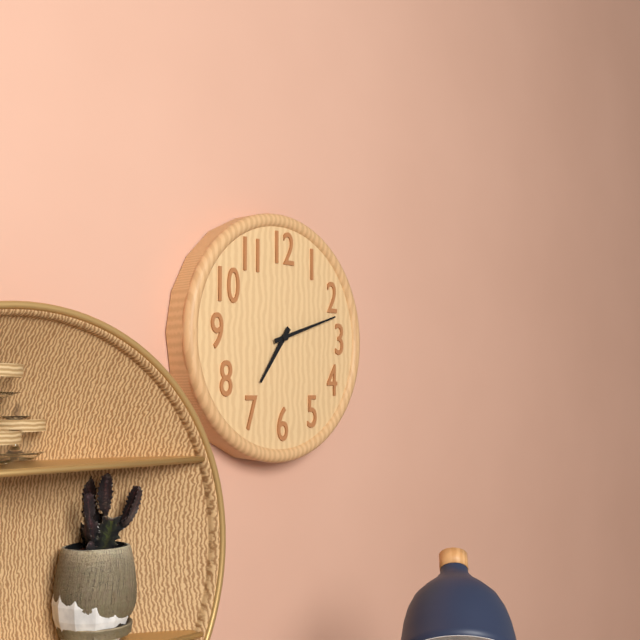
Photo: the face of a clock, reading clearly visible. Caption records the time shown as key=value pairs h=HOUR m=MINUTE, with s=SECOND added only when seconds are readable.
h=7 m=12
